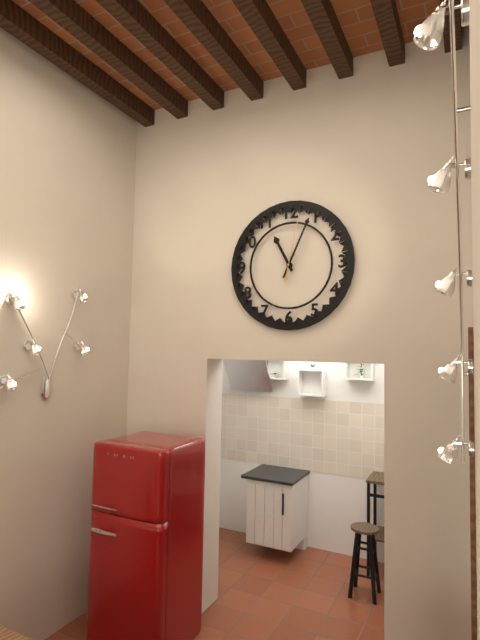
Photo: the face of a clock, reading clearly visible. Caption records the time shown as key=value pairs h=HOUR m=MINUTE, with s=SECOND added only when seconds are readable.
h=11 m=4 s=2
